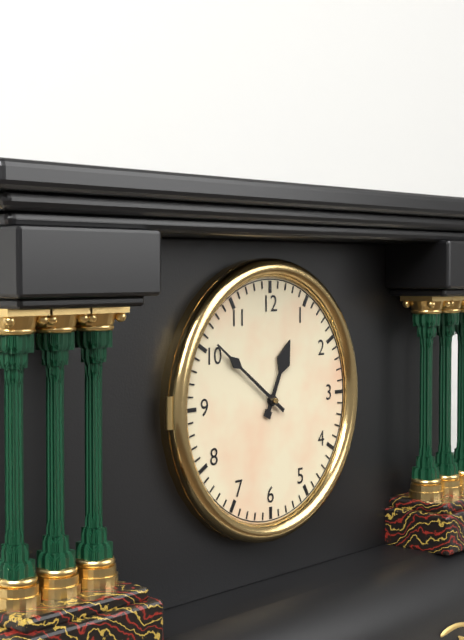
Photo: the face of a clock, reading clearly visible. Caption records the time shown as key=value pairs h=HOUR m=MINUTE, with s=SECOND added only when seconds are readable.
h=12 m=51
